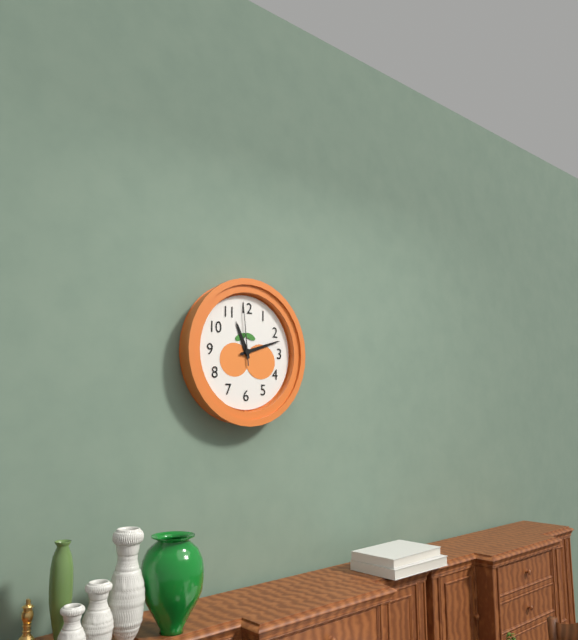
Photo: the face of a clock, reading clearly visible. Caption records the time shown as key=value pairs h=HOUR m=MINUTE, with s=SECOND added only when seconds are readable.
h=11 m=12 s=59
